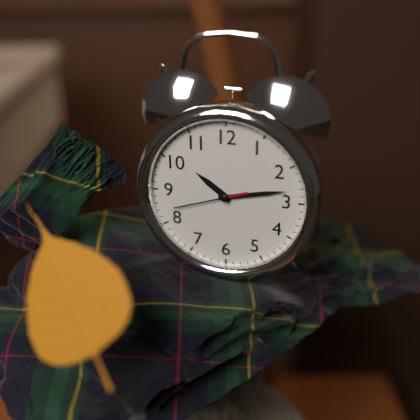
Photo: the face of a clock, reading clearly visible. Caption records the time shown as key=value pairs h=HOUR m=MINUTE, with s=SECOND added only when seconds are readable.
h=10 m=13 s=42
